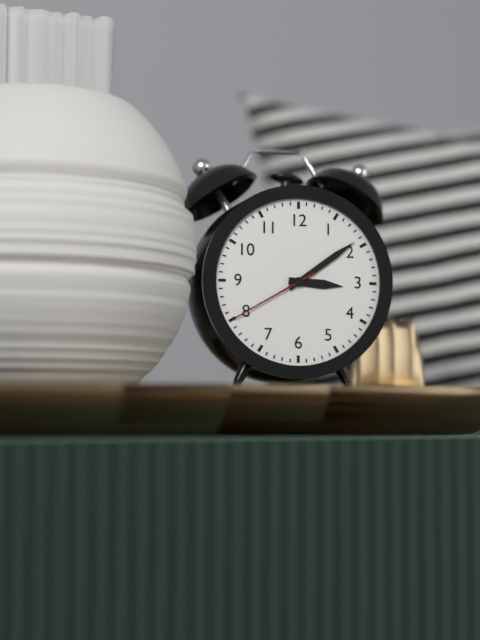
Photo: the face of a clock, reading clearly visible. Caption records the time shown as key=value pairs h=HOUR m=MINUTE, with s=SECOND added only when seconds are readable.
h=3 m=9 s=40
